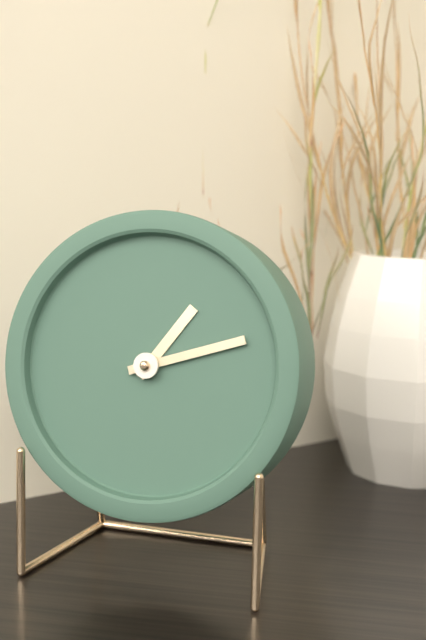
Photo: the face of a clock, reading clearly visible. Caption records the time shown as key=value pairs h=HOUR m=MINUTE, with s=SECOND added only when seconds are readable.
h=1 m=12
